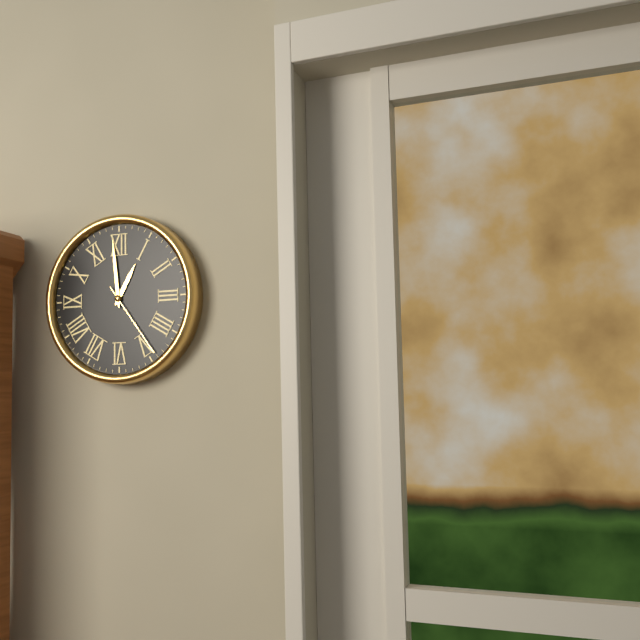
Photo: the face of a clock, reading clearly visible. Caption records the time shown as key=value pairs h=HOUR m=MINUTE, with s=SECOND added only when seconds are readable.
h=12 m=59 s=24
